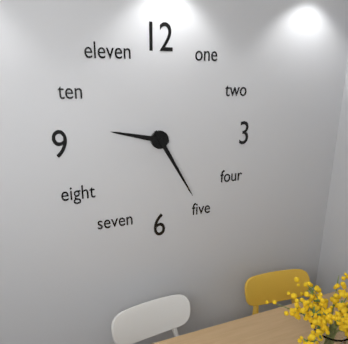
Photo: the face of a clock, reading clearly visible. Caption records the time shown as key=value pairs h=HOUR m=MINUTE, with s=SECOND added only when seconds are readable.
h=9 m=25
